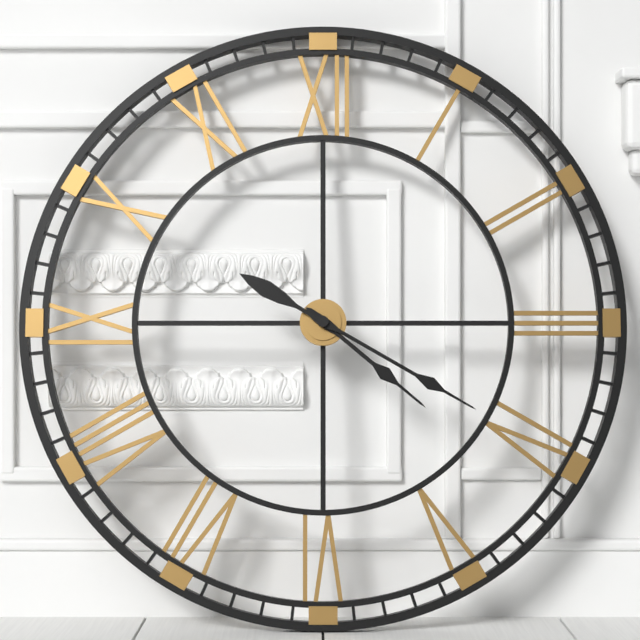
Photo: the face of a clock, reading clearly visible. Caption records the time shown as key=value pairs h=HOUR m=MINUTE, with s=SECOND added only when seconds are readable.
h=4 m=20
